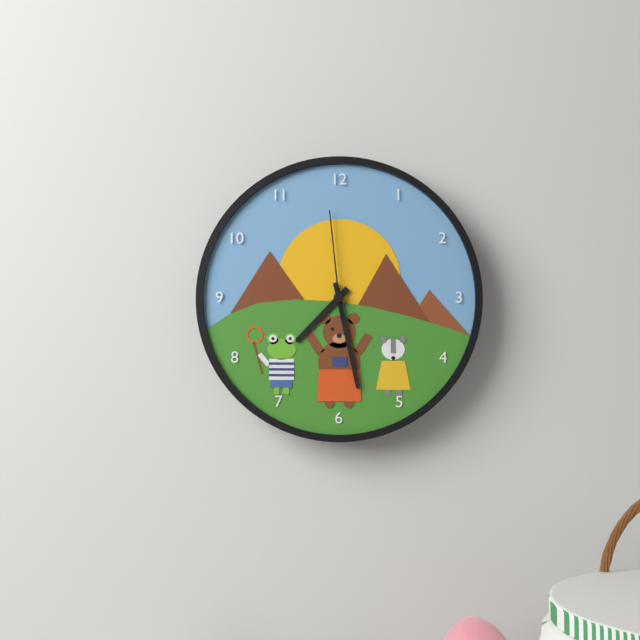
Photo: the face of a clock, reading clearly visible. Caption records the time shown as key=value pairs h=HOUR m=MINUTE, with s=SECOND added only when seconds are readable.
h=7 m=28 s=59
